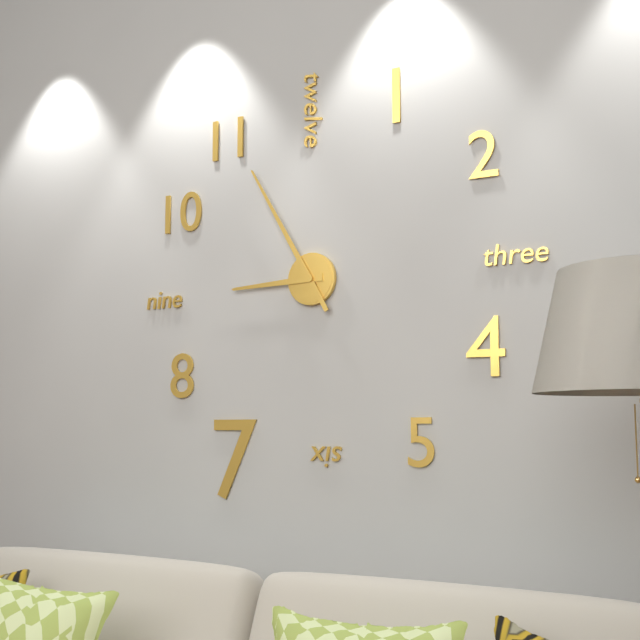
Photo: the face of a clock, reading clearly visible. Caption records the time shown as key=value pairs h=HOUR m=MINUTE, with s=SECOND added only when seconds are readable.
h=8 m=55
